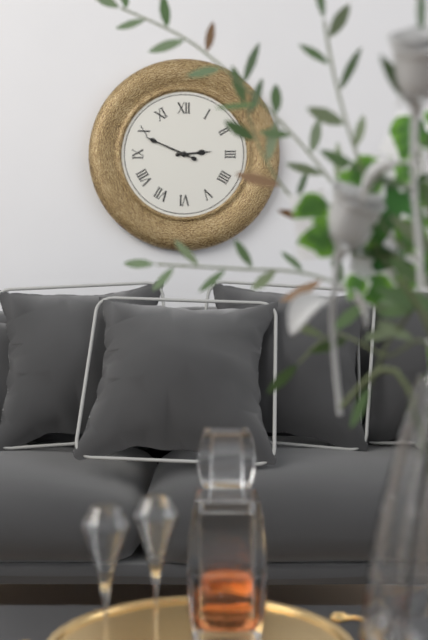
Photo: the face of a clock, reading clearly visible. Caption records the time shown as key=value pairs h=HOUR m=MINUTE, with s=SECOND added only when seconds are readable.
h=2 m=49
